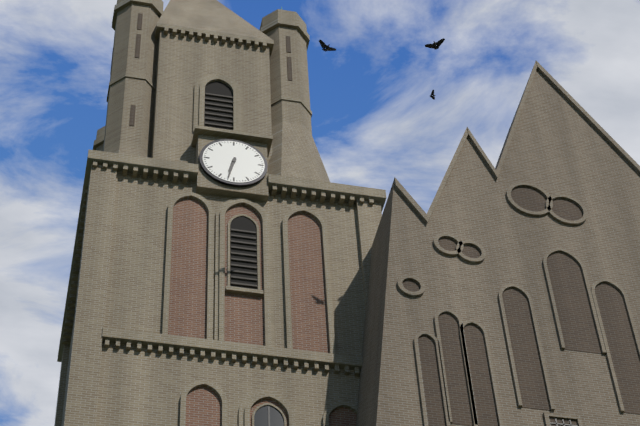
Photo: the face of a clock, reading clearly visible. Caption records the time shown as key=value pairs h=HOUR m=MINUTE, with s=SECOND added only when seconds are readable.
h=6 m=32
